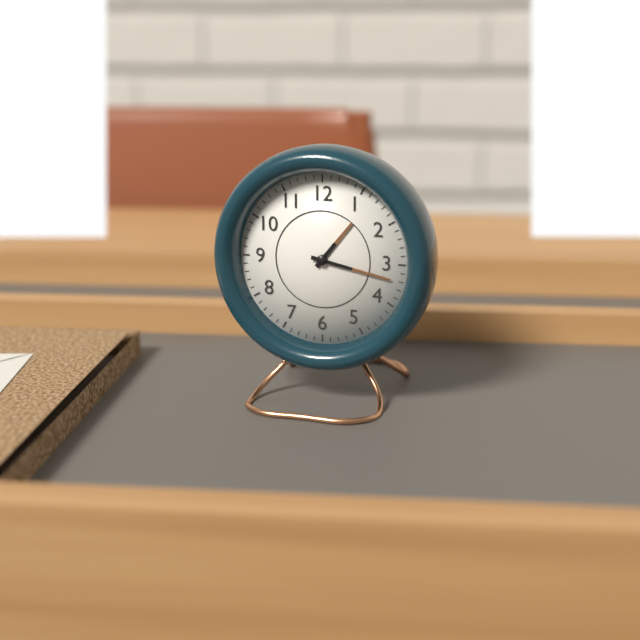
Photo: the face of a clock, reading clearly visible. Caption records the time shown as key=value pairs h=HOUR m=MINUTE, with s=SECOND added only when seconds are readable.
h=1 m=17
